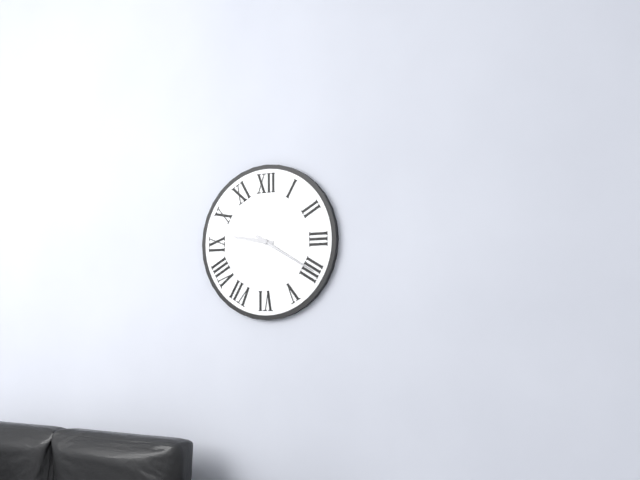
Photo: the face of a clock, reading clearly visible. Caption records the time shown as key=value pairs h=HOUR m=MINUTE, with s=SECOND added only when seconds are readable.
h=9 m=20
